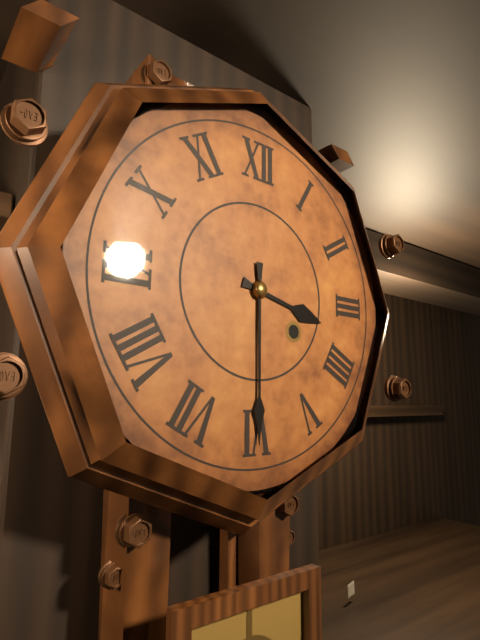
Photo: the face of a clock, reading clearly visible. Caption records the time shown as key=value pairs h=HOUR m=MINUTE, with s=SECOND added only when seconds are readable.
h=3 m=30
